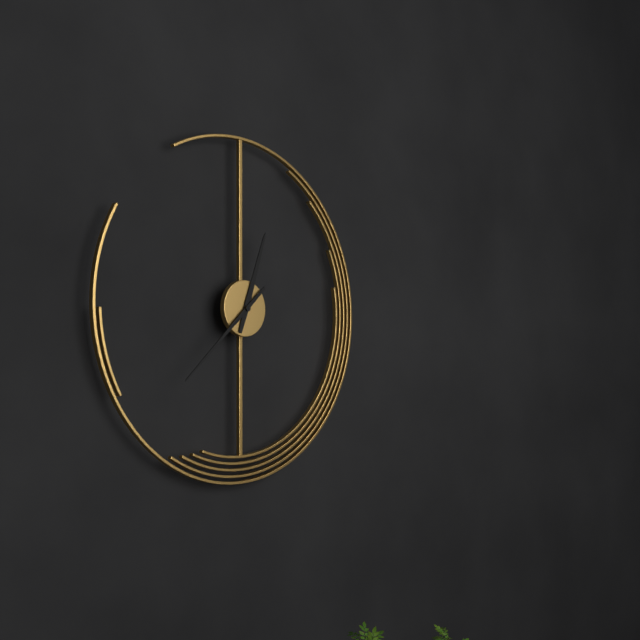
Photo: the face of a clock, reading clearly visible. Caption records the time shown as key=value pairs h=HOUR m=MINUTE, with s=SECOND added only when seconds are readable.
h=12 m=38
